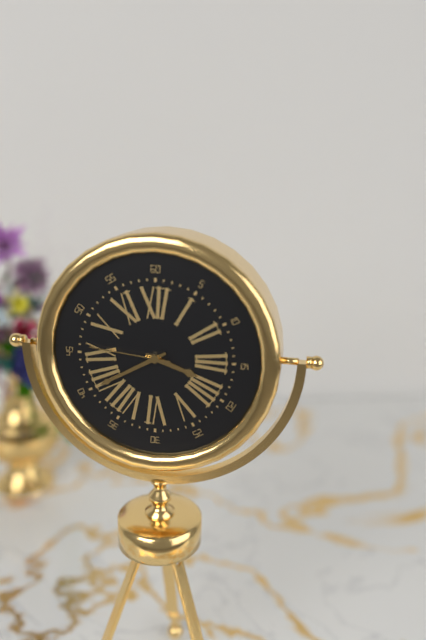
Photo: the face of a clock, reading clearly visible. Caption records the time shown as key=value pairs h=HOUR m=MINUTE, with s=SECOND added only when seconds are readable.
h=3 m=40 s=46
